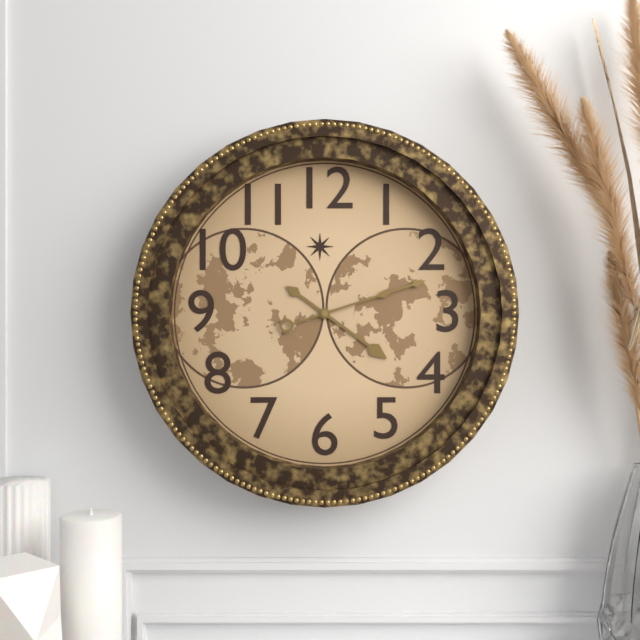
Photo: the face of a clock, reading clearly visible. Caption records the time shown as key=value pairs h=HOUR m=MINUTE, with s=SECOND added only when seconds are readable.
h=4 m=12
